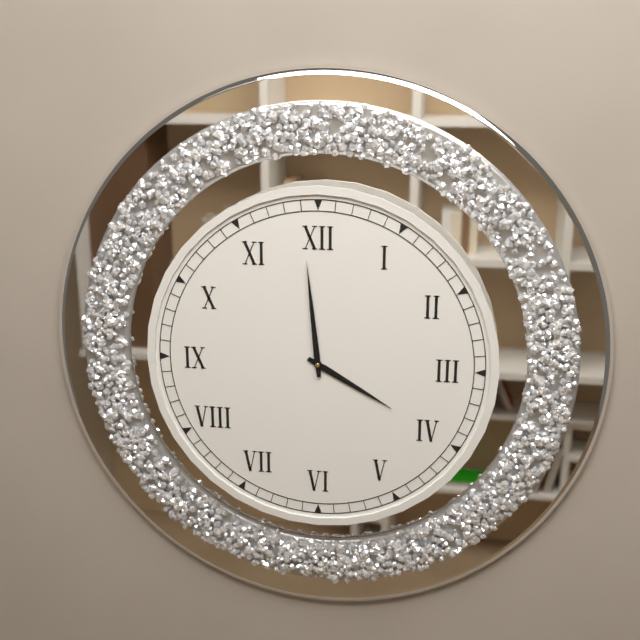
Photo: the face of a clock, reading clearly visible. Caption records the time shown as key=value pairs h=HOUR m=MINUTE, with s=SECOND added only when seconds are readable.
h=3 m=59
